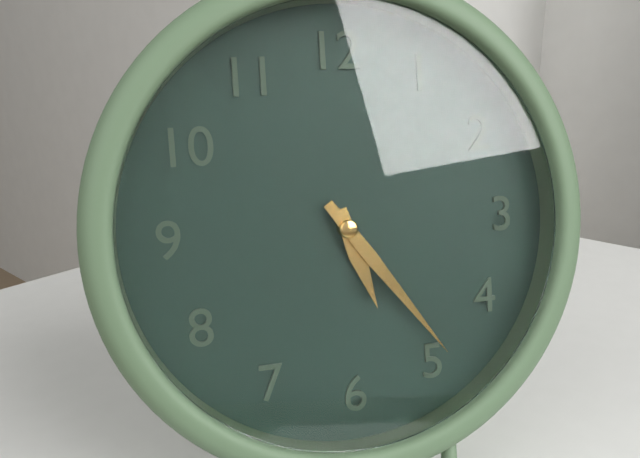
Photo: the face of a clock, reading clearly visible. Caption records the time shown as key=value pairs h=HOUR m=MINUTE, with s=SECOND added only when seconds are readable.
h=5 m=24
